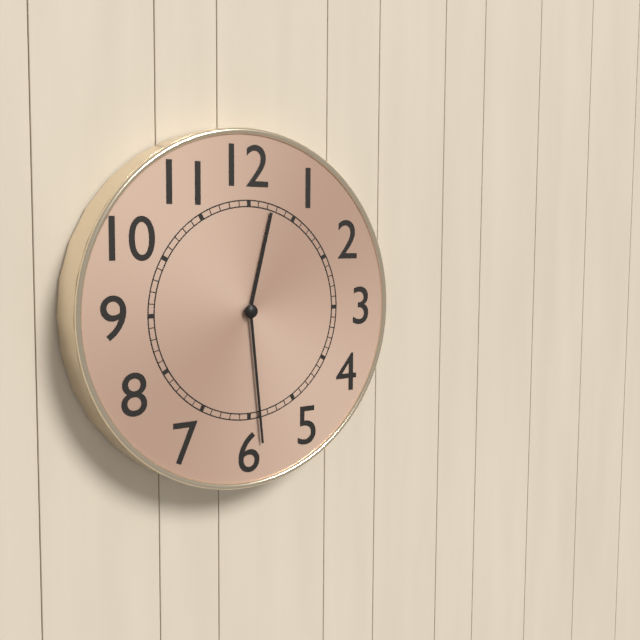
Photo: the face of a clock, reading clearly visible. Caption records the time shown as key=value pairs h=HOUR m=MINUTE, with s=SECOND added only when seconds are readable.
h=12 m=29
